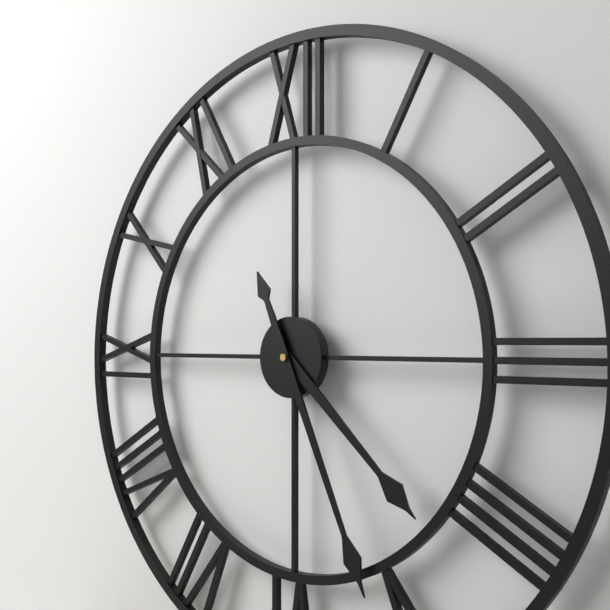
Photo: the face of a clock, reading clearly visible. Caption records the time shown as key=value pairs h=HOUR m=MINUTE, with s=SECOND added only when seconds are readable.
h=4 m=26
